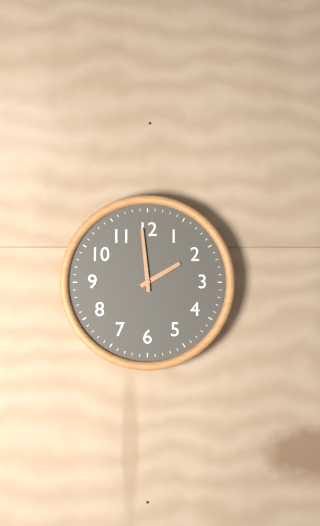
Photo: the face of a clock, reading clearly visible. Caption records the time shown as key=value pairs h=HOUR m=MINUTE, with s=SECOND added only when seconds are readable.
h=1 m=59
